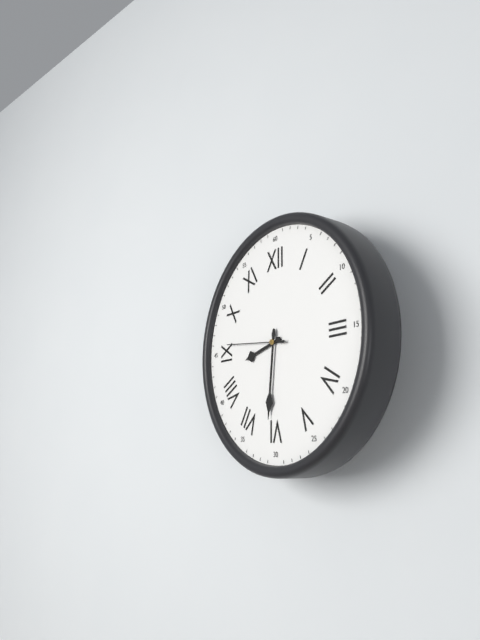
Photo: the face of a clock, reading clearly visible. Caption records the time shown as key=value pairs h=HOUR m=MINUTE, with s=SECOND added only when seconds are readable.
h=8 m=31 s=46
